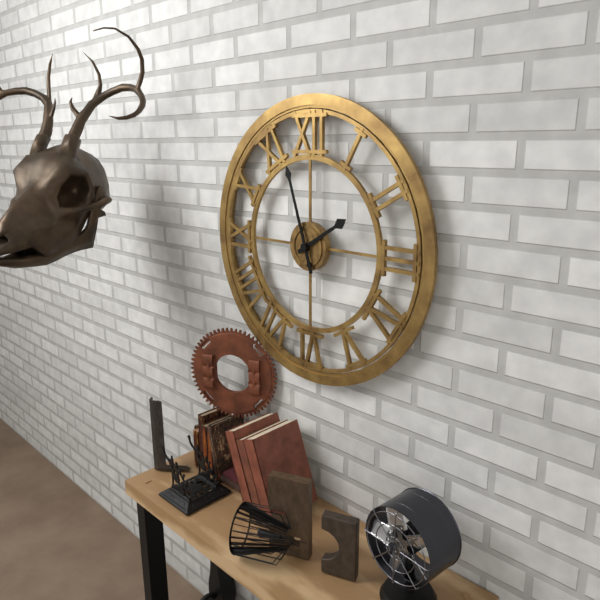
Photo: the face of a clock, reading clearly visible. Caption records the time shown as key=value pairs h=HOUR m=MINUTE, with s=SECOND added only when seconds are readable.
h=1 m=57
